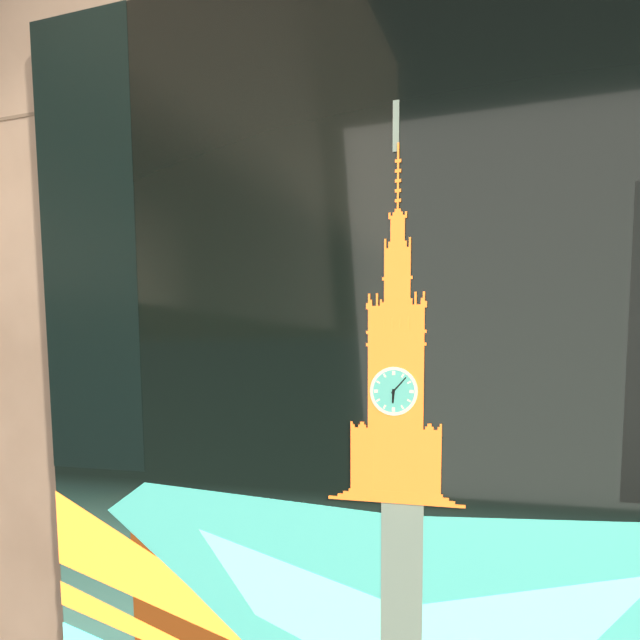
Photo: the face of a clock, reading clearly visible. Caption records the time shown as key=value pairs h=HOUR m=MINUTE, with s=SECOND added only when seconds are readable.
h=6 m=7
